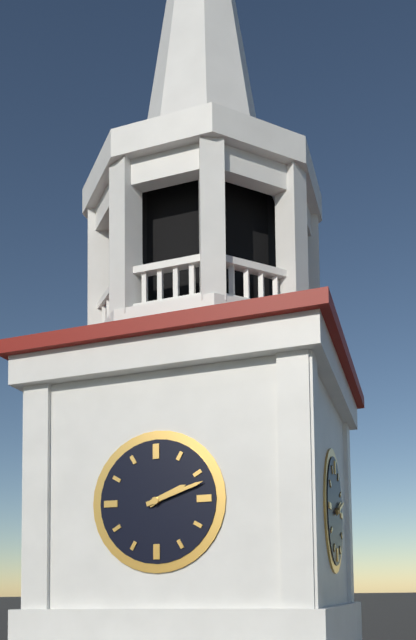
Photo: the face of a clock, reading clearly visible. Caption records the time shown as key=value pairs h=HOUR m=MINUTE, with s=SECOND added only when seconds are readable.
h=2 m=12
